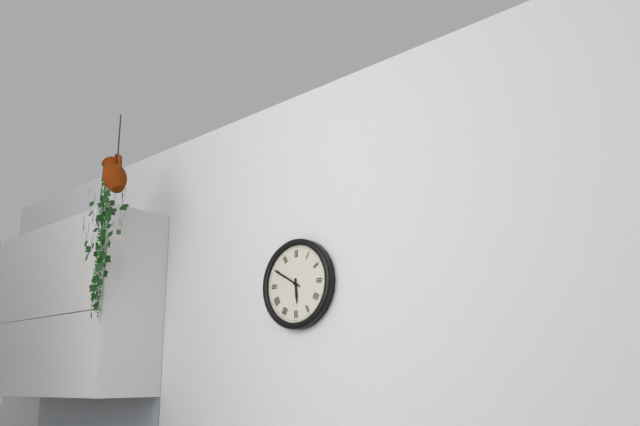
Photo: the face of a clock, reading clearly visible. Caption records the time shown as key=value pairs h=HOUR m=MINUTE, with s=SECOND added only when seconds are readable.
h=5 m=50
